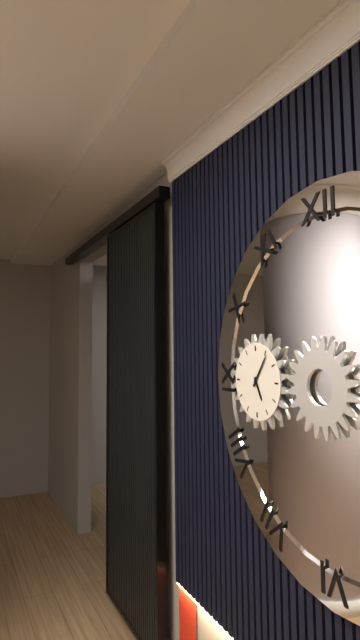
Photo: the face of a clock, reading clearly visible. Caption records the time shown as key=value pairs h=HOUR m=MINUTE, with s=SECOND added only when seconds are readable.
h=5 m=6
